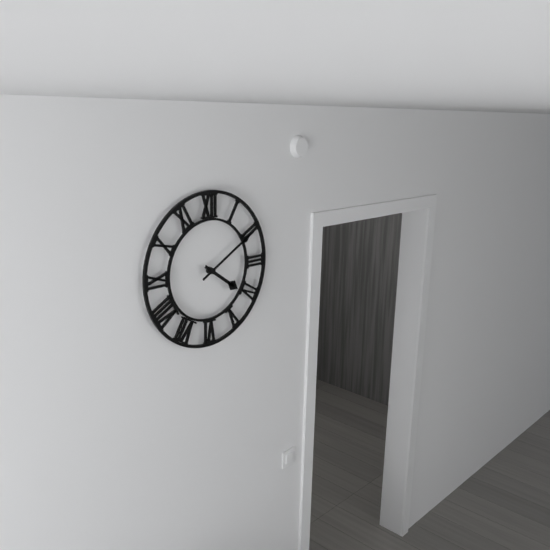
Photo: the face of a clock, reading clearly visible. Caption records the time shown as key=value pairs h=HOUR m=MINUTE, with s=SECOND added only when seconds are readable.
h=4 m=10
